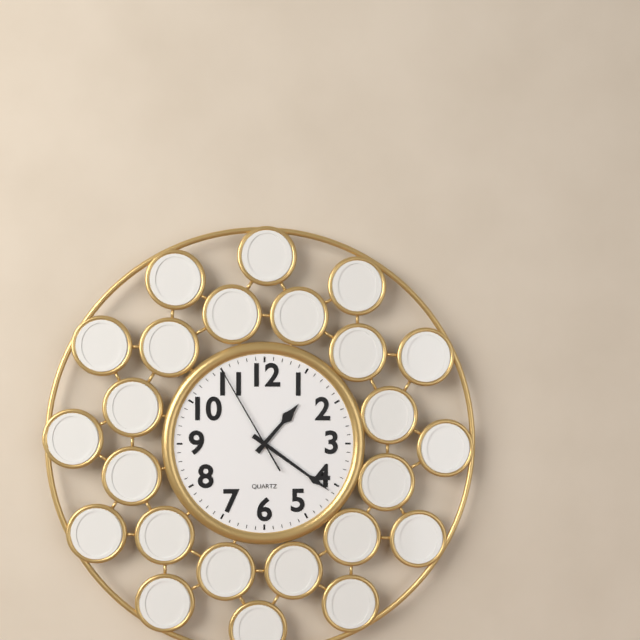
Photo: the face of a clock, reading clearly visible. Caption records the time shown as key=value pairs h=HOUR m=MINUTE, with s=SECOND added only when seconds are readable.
h=1 m=21 s=55
